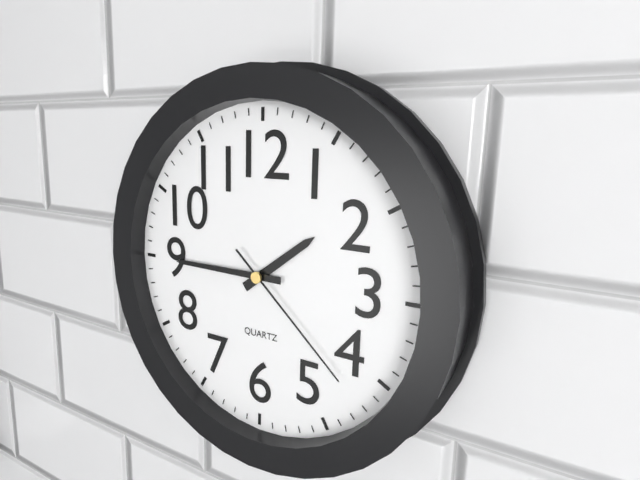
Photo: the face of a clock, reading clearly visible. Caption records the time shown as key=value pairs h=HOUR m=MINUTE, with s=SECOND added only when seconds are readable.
h=1 m=45 s=22
